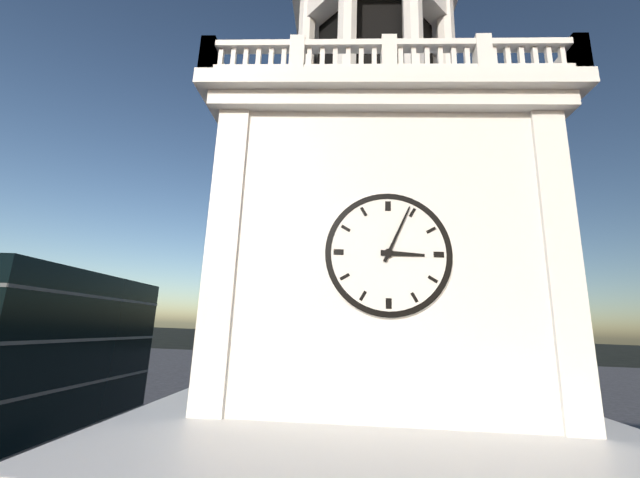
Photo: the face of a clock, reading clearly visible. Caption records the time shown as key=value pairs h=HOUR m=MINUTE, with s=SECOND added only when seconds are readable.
h=3 m=4
